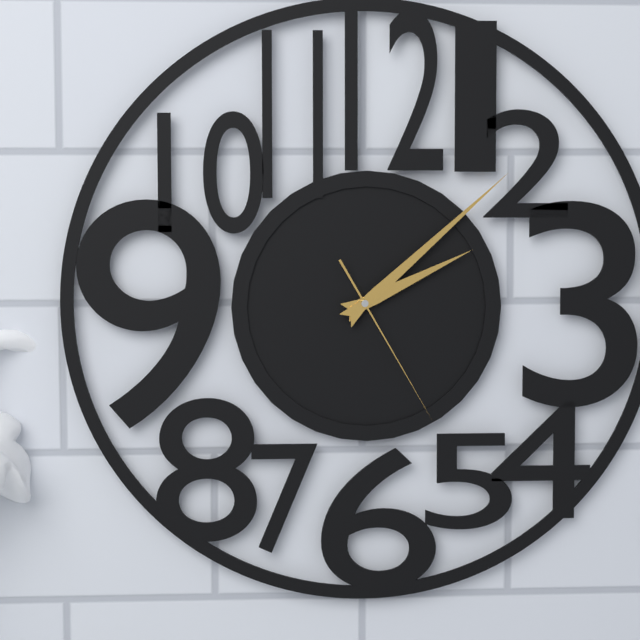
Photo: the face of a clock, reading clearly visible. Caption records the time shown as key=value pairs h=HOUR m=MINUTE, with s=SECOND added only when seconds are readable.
h=2 m=8 s=25
